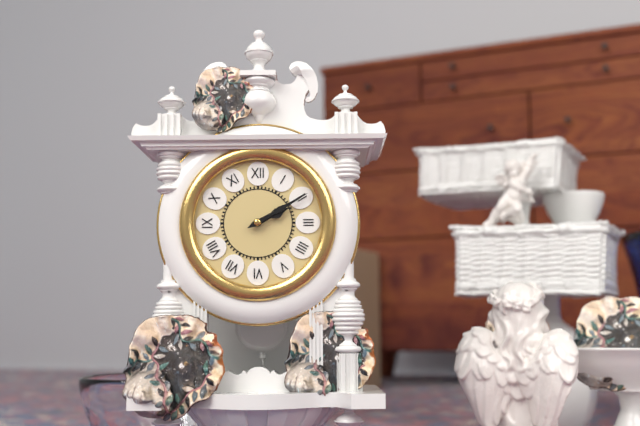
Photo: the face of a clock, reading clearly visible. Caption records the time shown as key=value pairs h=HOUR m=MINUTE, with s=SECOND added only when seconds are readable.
h=2 m=10
